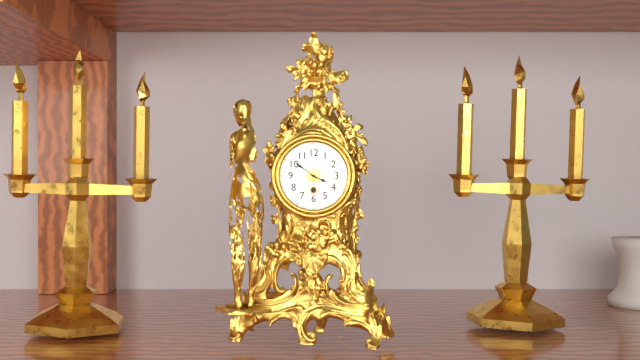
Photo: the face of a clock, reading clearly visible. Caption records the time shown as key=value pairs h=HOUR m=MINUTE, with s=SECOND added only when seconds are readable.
h=3 m=51
